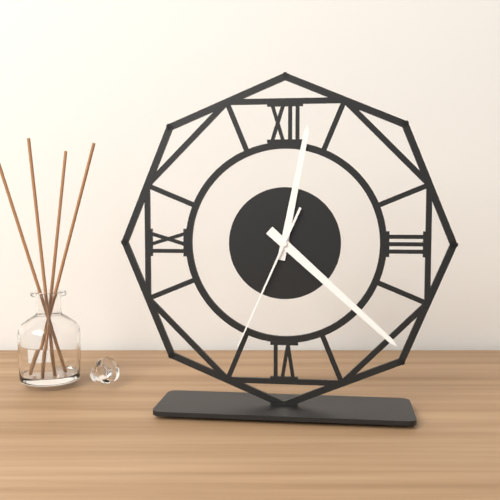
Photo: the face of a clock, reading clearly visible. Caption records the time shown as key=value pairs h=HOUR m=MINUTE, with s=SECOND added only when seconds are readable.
h=12 m=22 s=34
